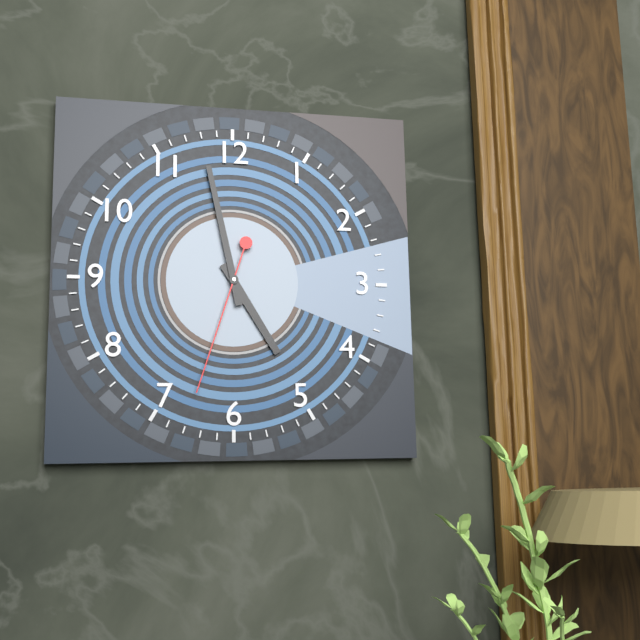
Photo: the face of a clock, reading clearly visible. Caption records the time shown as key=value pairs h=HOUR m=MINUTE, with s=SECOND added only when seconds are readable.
h=4 m=58 s=33
